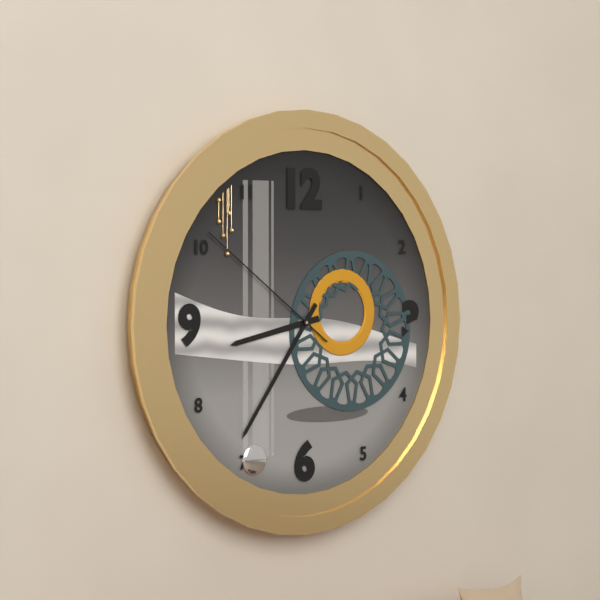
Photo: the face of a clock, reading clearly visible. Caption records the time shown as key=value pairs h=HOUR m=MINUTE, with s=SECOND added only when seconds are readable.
h=8 m=36 s=51
